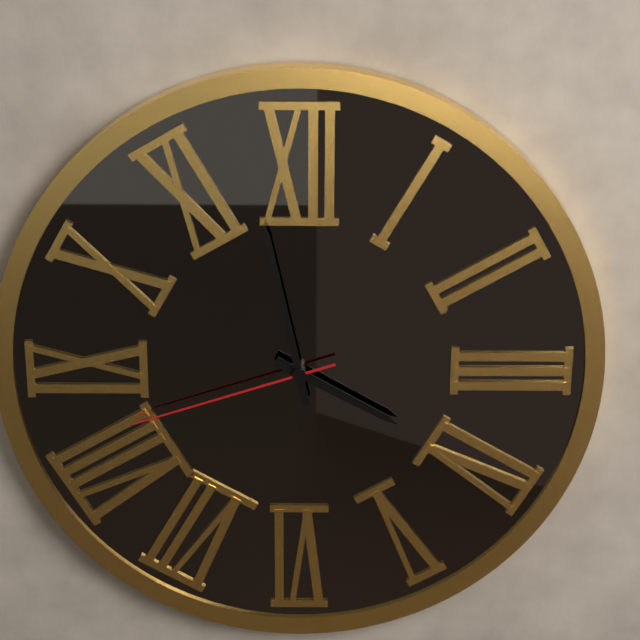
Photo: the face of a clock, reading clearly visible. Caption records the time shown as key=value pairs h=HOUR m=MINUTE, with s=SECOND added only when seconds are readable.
h=3 m=58 s=42
